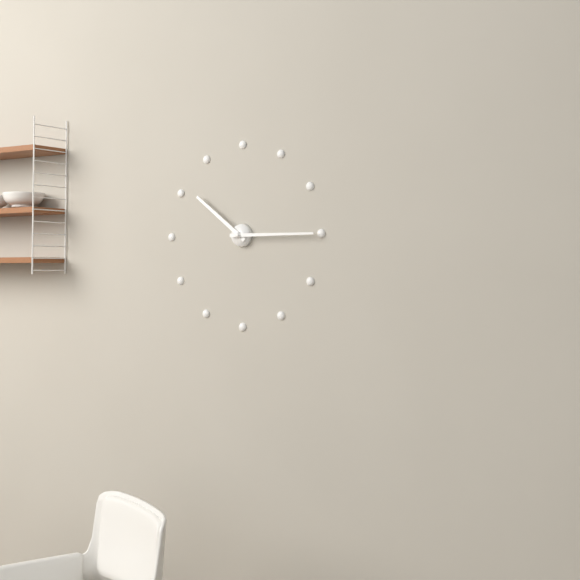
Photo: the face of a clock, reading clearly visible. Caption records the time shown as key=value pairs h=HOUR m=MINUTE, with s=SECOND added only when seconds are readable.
h=10 m=15
